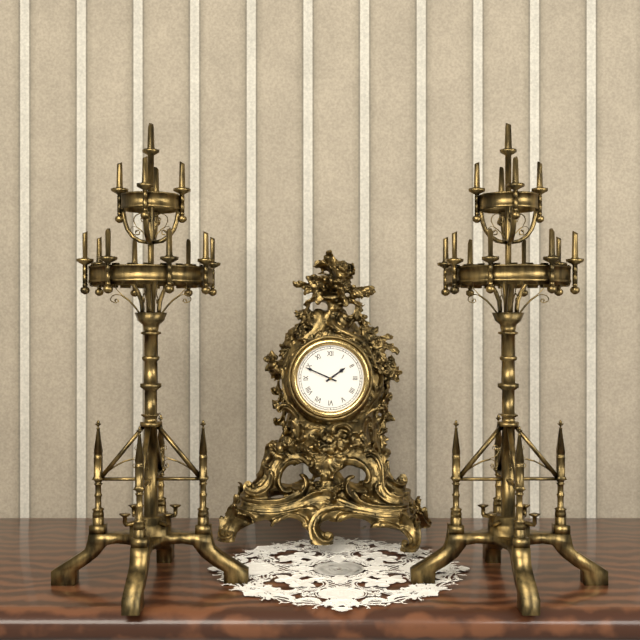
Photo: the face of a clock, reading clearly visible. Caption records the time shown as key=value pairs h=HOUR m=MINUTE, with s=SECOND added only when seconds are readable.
h=1 m=49
